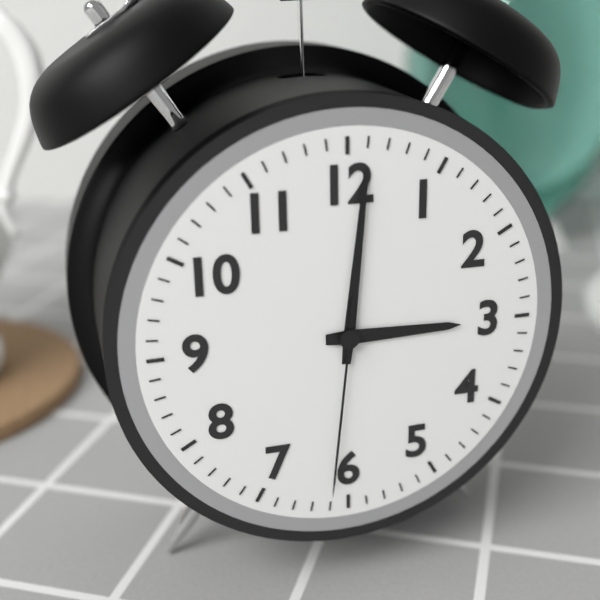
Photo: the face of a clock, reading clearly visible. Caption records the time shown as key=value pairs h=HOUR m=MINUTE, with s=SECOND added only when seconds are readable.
h=3 m=1 s=31
